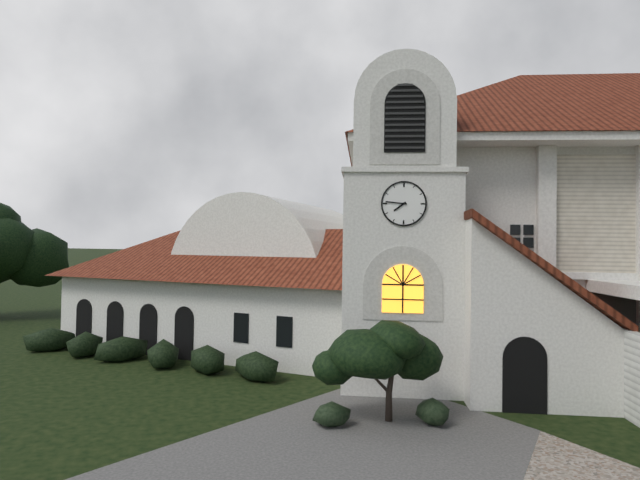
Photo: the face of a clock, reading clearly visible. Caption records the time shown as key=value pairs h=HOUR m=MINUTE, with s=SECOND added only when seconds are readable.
h=7 m=46
